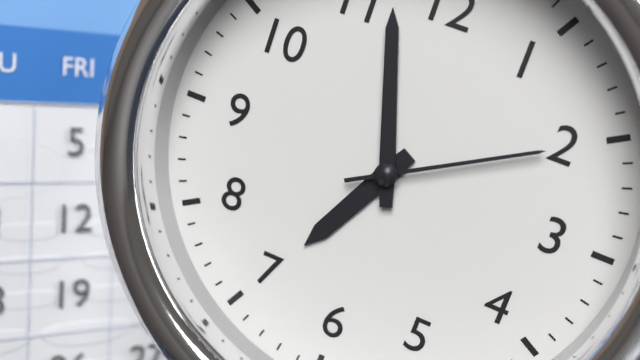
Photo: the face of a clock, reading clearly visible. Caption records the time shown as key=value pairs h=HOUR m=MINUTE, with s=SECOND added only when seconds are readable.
h=6 m=57 s=10
